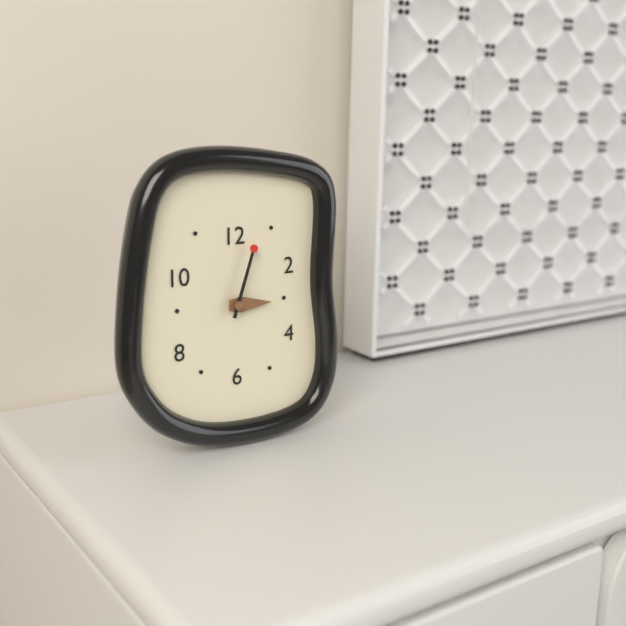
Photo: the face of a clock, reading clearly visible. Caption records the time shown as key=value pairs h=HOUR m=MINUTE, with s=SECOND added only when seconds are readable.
h=3 m=3
